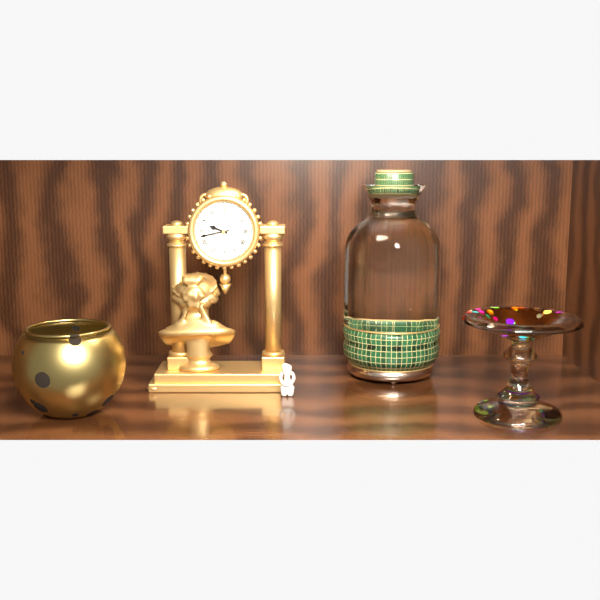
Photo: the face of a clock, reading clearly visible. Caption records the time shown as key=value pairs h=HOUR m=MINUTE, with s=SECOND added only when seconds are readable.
h=9 m=43
